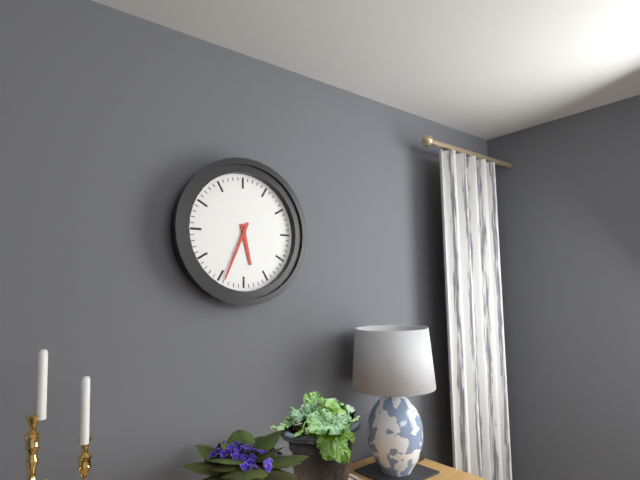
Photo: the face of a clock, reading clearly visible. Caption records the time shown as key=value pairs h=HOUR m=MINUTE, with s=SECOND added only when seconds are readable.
h=5 m=34
